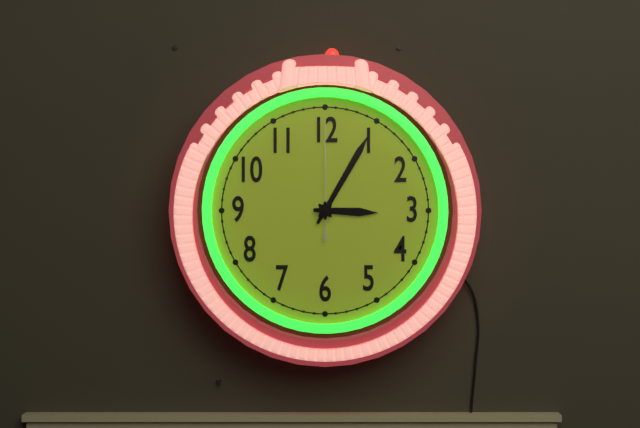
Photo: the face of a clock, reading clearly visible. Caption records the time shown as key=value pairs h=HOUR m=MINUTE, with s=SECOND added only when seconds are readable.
h=3 m=5 s=0
